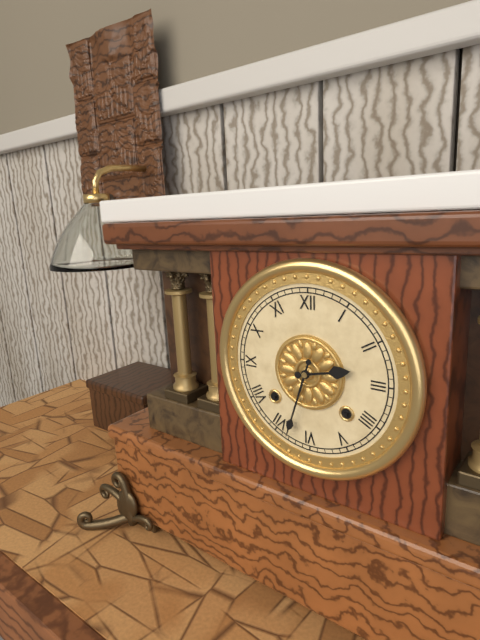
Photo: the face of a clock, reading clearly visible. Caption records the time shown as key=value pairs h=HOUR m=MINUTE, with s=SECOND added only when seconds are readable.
h=2 m=33
